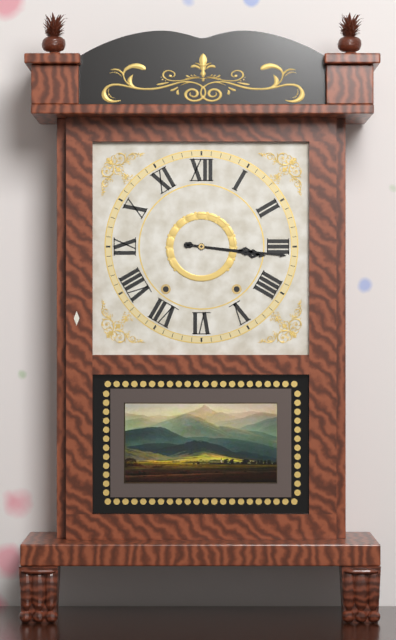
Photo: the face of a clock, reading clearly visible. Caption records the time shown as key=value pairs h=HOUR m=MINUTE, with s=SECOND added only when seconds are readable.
h=3 m=16
